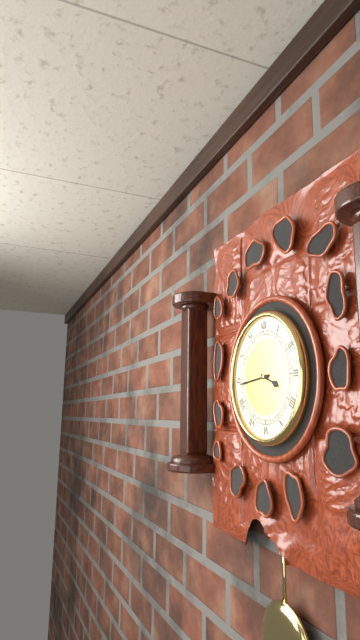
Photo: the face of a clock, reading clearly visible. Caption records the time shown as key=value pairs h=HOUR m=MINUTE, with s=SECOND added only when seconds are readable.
h=3 m=44
